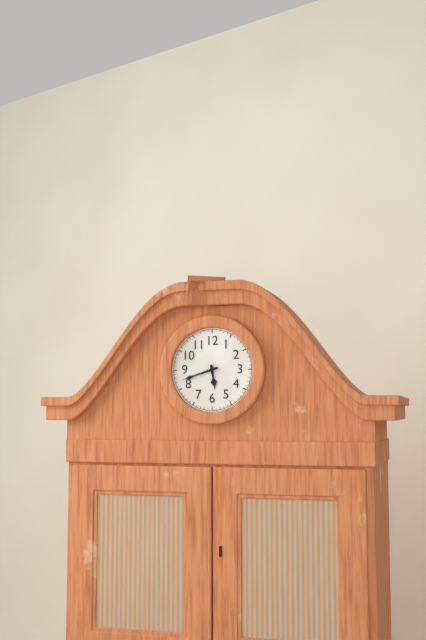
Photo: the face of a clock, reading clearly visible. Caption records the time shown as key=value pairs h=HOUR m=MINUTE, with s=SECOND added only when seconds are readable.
h=5 m=42
